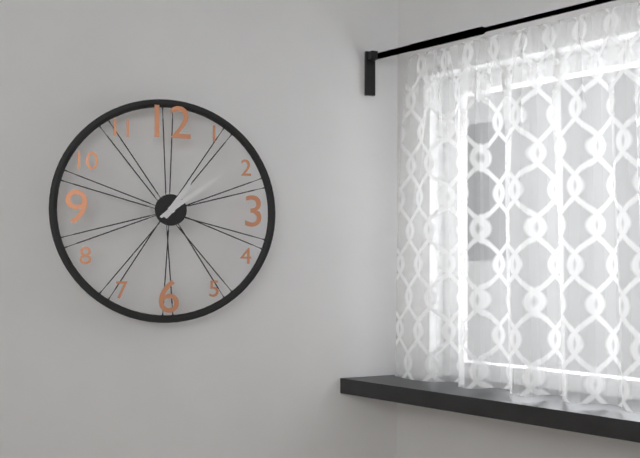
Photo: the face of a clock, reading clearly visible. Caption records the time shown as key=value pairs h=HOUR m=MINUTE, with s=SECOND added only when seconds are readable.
h=1 m=9
